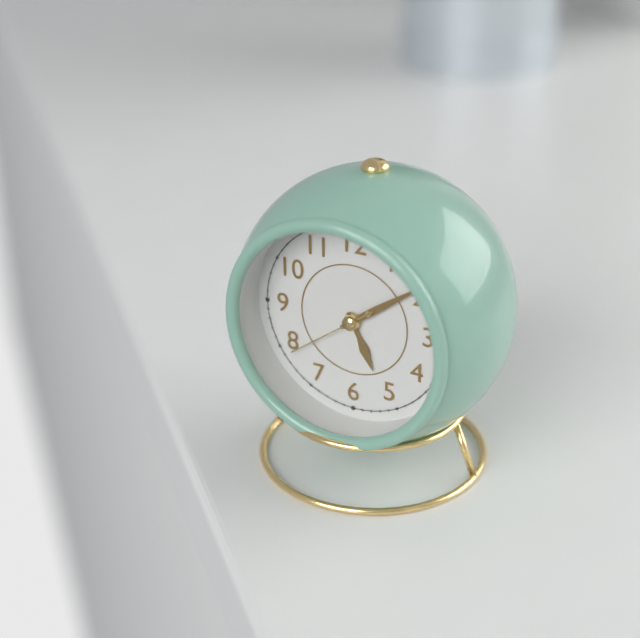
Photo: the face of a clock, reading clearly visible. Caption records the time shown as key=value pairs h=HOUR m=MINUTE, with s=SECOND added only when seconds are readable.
h=5 m=9 s=39
